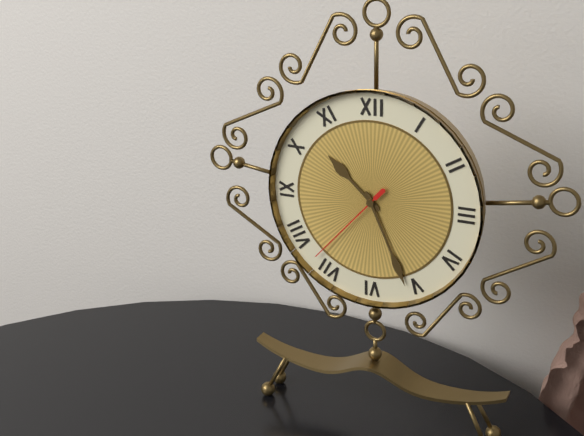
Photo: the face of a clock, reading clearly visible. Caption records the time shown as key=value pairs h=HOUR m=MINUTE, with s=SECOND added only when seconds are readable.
h=10 m=26 s=37
